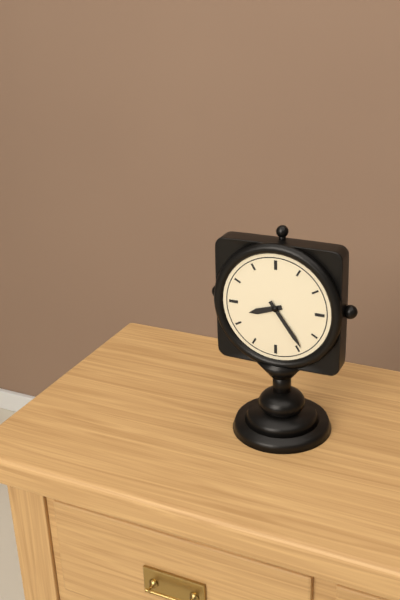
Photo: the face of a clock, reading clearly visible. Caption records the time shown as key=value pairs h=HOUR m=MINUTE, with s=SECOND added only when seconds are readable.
h=8 m=24
